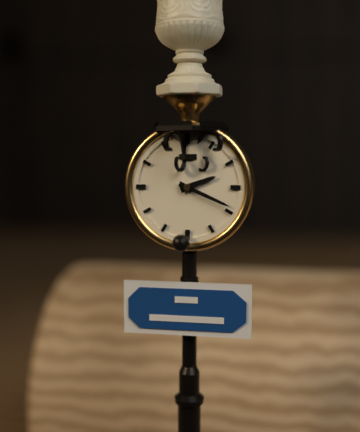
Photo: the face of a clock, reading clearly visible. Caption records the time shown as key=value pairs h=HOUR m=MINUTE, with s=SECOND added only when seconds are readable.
h=2 m=19
